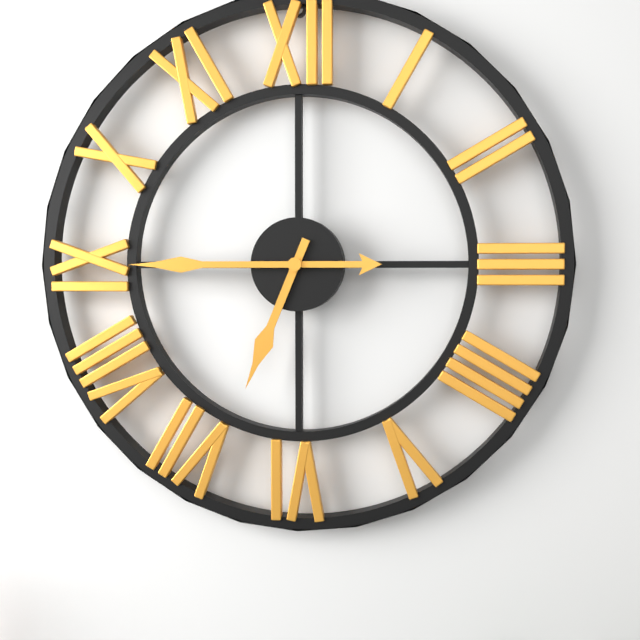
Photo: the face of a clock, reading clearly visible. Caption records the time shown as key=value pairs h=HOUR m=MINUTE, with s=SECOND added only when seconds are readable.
h=6 m=45
